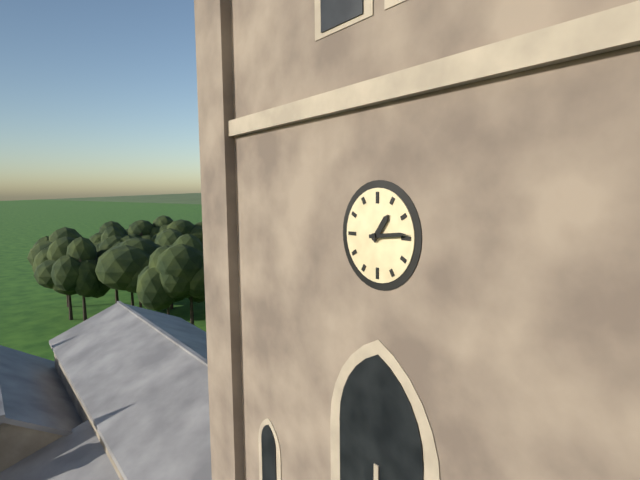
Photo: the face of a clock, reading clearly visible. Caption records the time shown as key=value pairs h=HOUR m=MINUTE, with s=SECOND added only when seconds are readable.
h=1 m=14
